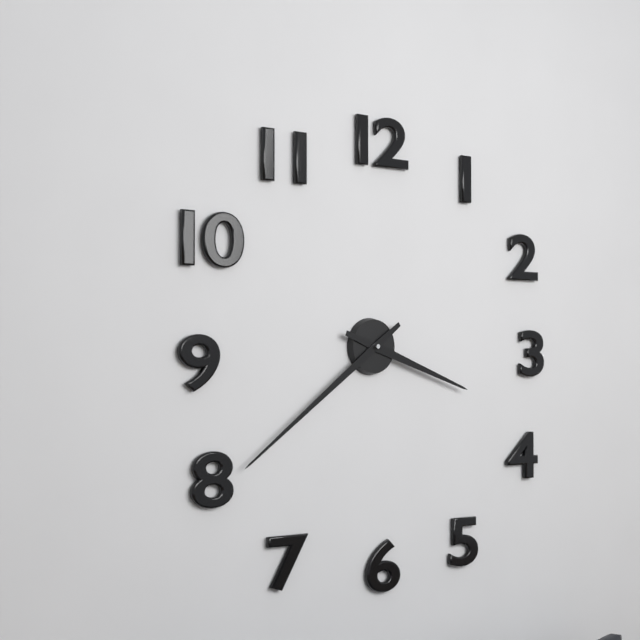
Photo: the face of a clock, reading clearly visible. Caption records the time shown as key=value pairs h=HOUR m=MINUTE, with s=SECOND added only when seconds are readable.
h=3 m=39
